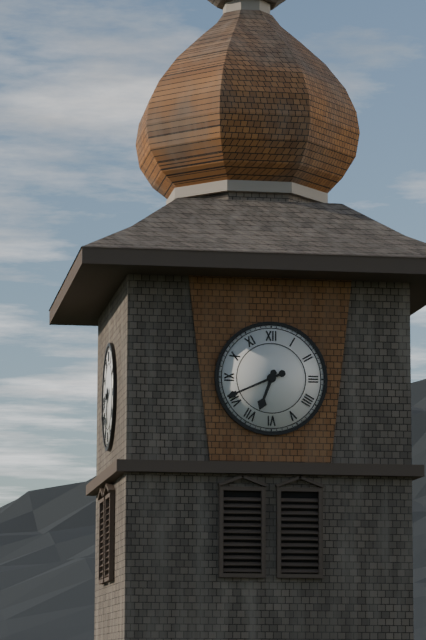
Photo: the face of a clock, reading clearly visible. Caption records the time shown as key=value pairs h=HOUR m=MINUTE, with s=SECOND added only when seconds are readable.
h=6 m=41
